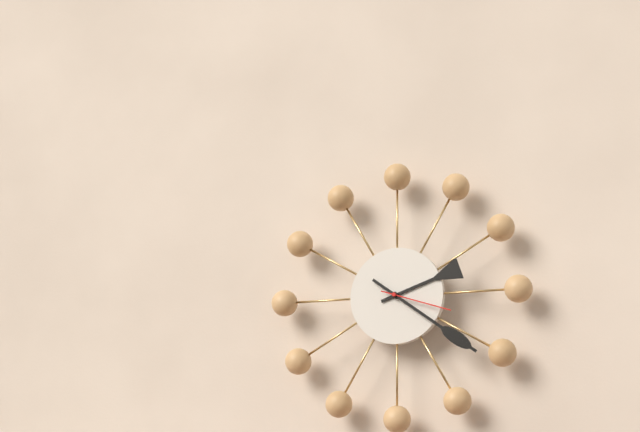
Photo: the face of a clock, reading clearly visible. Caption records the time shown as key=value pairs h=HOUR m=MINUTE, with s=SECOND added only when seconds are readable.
h=2 m=21 s=18
